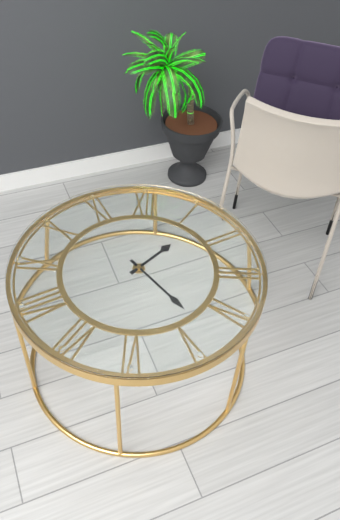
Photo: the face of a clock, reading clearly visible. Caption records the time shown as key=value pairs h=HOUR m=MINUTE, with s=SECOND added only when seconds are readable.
h=1 m=23
